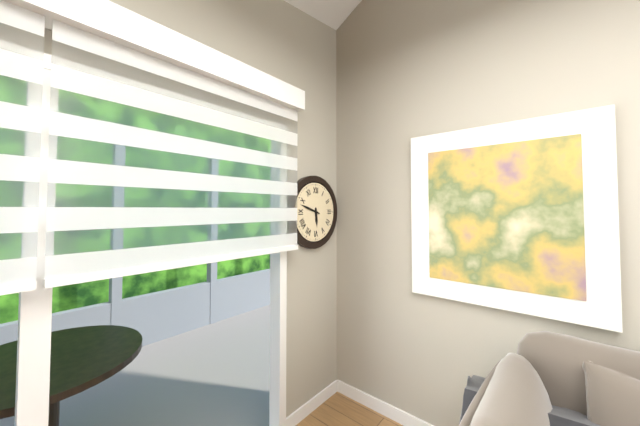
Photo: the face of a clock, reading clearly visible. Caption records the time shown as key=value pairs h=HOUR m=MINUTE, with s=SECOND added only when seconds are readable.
h=5 m=48
